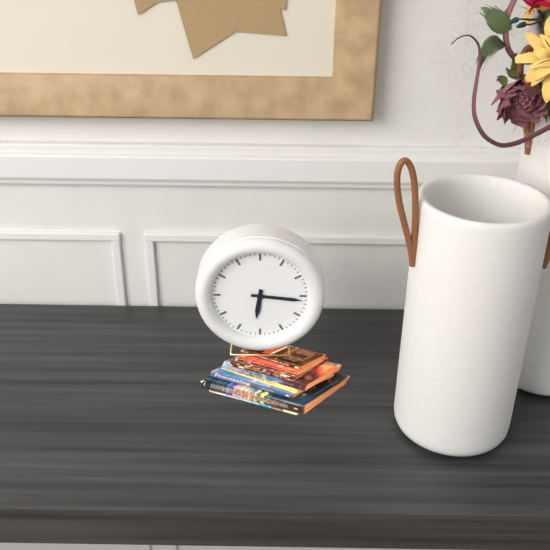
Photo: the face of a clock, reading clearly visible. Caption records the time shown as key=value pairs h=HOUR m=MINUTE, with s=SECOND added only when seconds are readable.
h=6 m=16
